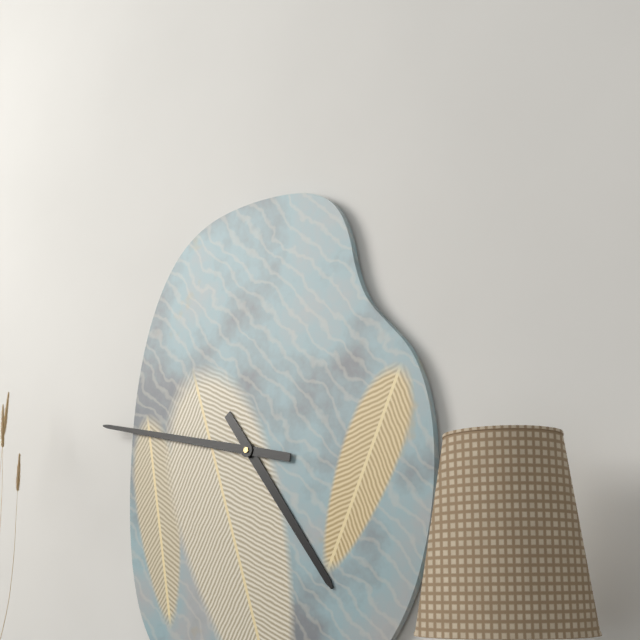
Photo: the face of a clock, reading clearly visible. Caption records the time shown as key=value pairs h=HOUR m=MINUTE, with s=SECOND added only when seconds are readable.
h=4 m=47
